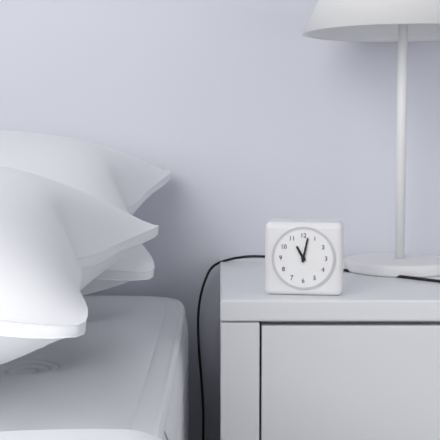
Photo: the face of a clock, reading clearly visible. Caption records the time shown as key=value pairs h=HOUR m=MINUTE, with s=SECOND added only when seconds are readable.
h=11 m=2
